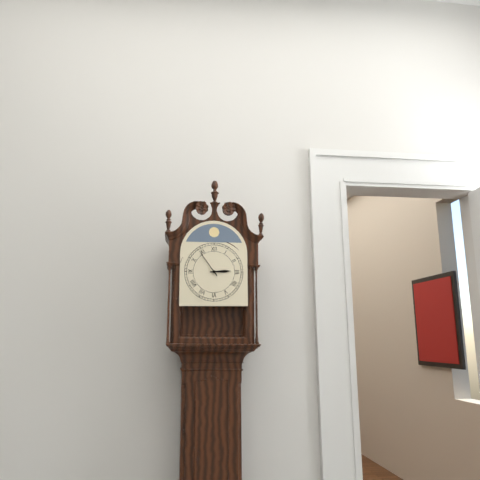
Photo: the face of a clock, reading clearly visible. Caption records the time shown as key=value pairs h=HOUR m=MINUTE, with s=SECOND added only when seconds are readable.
h=2 m=54
